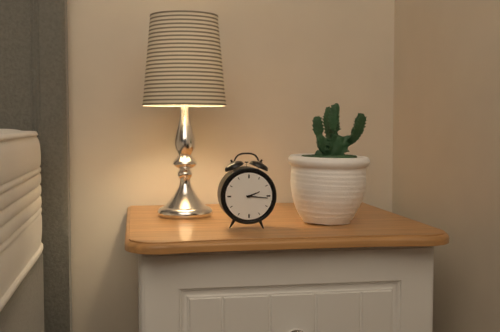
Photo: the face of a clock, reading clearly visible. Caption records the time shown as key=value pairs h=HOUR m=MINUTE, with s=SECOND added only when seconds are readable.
h=2 m=16
